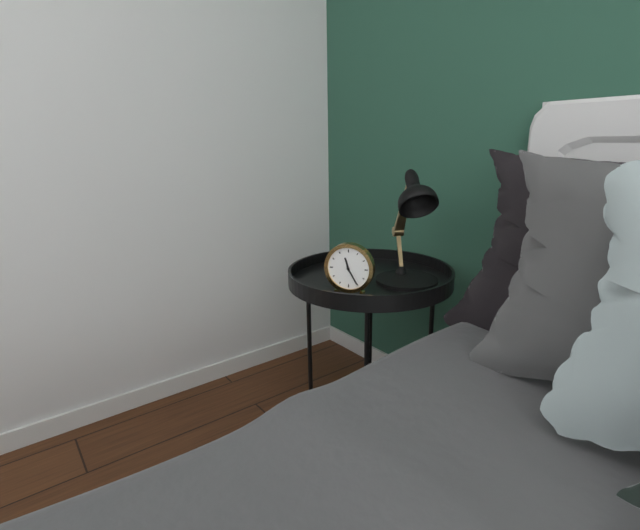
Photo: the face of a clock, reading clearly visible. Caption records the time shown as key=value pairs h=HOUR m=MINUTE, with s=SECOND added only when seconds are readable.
h=11 m=25
